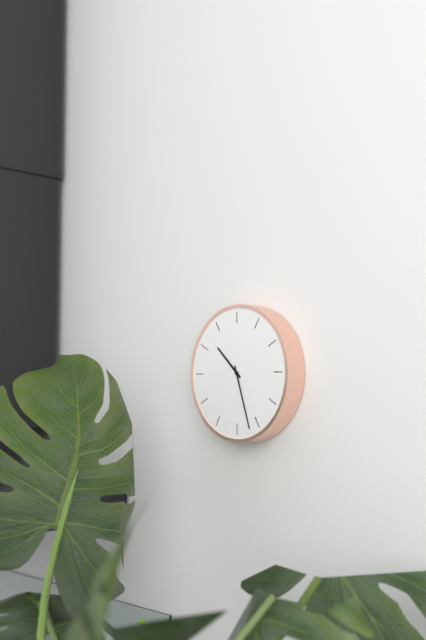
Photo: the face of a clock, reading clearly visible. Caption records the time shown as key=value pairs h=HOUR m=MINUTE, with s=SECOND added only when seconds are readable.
h=10 m=27
